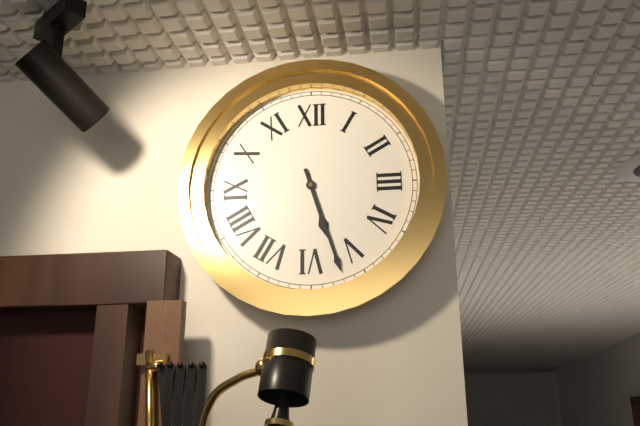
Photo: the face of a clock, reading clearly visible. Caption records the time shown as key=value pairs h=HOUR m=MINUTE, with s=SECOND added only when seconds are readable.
h=5 m=27
